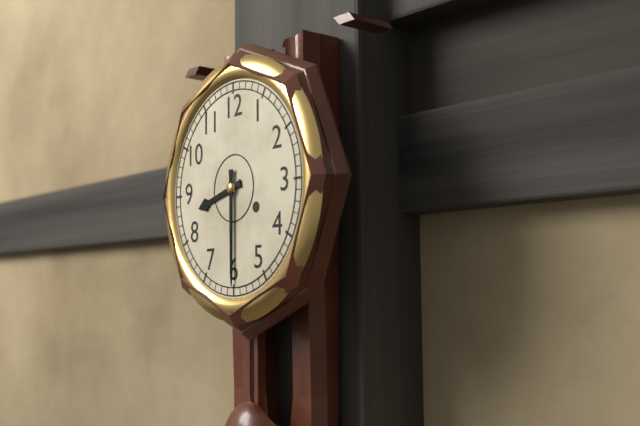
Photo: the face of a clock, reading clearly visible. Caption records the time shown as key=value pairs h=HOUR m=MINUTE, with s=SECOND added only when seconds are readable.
h=8 m=30
